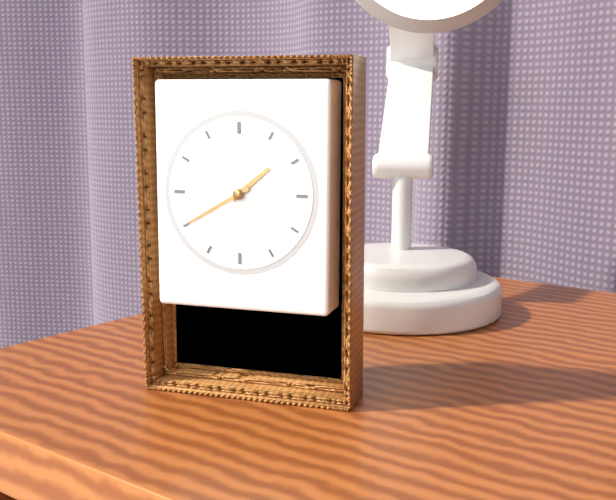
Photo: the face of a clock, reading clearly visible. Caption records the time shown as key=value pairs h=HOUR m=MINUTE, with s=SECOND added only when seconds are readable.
h=1 m=40
